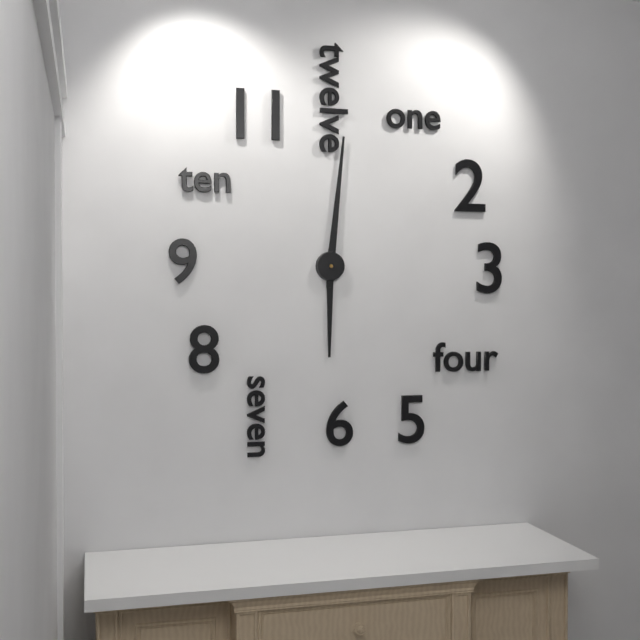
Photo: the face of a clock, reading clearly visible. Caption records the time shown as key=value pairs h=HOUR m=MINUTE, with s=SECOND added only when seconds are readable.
h=6 m=1
